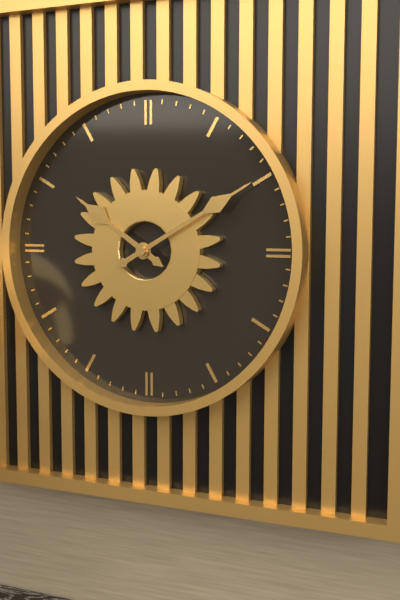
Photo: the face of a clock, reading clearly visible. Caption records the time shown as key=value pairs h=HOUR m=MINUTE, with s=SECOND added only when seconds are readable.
h=10 m=10
